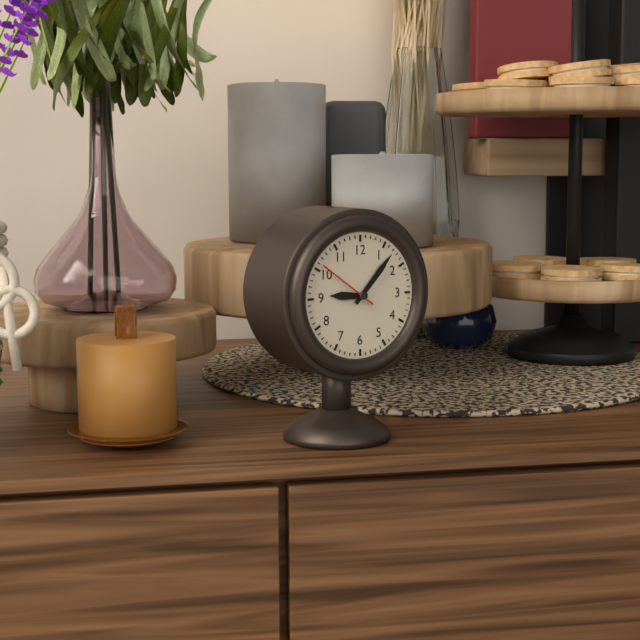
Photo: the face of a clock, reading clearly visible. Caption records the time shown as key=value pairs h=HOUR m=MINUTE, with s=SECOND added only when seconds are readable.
h=9 m=7 s=51
